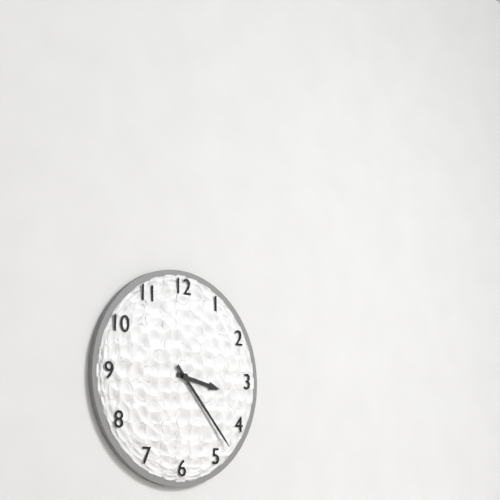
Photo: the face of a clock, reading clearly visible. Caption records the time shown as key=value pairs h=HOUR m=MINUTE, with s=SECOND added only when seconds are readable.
h=3 m=23
